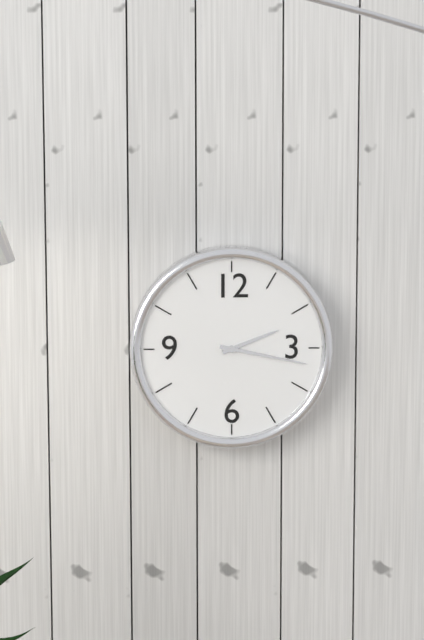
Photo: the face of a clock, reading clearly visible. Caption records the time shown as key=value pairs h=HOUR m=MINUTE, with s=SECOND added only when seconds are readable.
h=2 m=17
